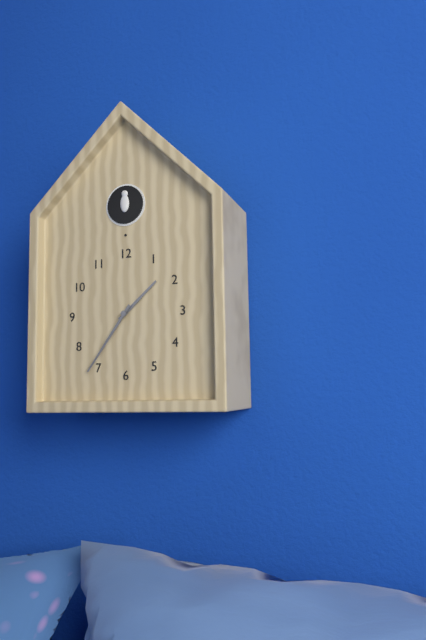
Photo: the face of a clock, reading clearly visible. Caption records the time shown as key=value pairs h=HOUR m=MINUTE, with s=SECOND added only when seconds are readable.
h=1 m=36
